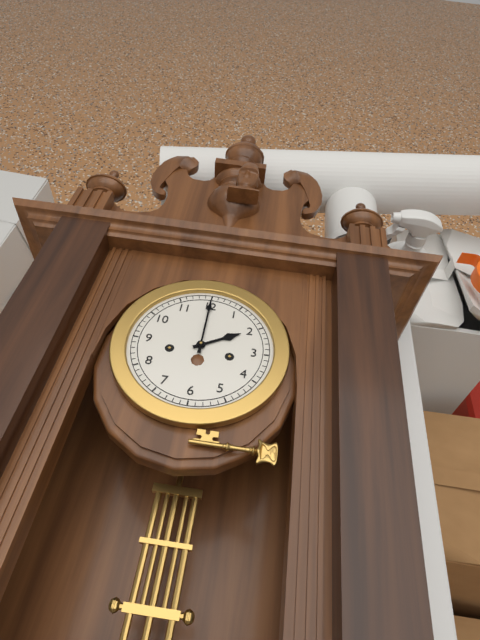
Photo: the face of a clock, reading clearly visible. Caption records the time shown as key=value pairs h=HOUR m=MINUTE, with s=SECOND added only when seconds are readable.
h=2 m=0
